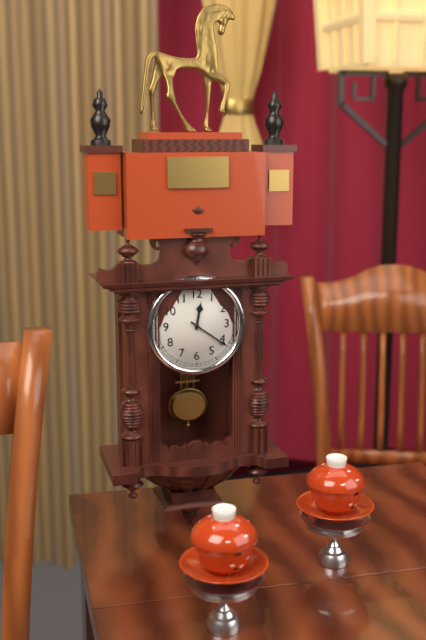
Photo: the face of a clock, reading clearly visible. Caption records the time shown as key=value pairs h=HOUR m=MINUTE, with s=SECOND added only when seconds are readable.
h=12 m=21
